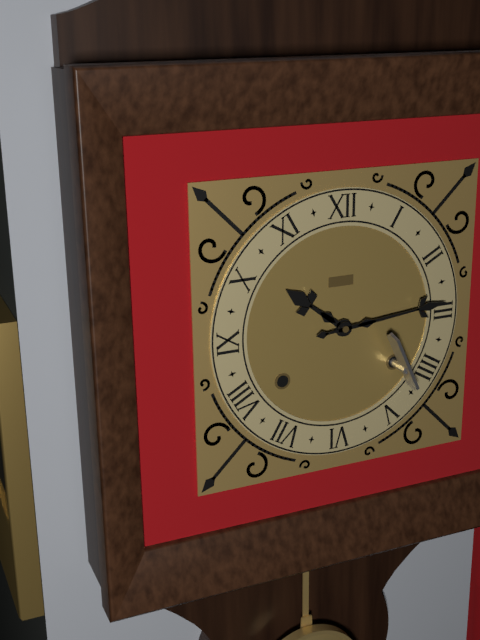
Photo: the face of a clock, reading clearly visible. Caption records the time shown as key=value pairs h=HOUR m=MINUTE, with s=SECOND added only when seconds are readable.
h=10 m=14
